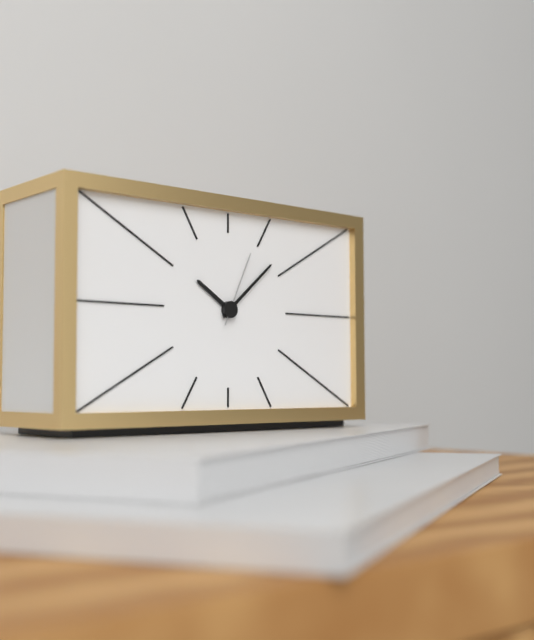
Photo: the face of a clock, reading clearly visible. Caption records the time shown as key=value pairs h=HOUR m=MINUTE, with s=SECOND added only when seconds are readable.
h=10 m=8 s=4
